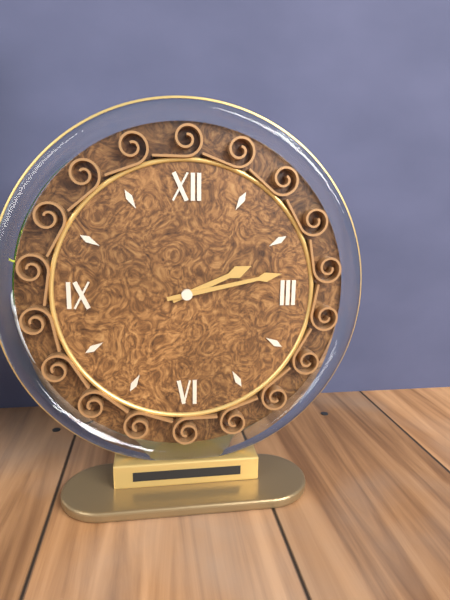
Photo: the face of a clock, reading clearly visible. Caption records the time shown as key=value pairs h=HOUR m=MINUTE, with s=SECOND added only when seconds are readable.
h=2 m=13
